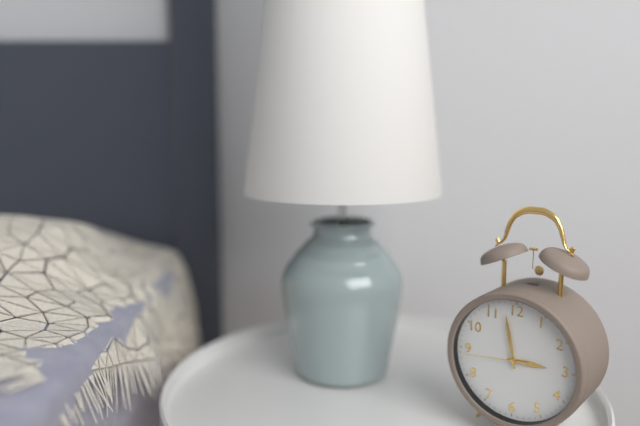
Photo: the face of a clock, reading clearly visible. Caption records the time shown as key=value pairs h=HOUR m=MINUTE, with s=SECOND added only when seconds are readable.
h=2 m=58 s=44
